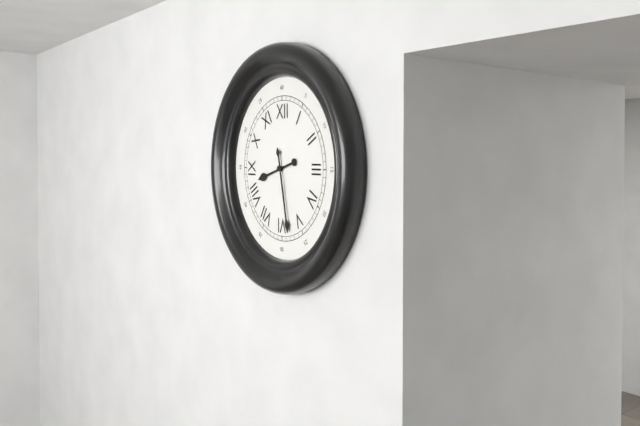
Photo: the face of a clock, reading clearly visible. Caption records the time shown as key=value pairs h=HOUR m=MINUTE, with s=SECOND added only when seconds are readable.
h=8 m=28
